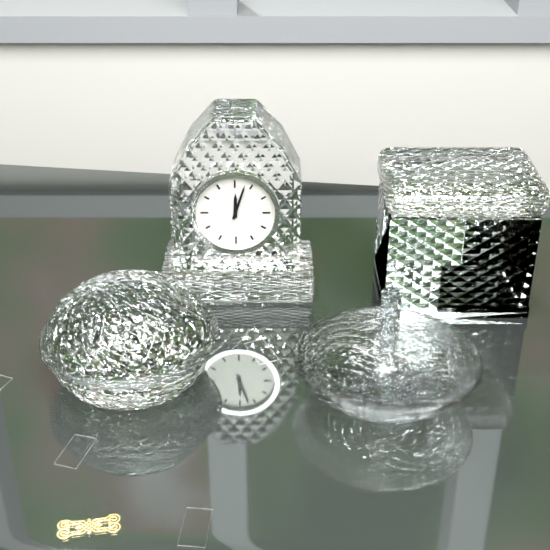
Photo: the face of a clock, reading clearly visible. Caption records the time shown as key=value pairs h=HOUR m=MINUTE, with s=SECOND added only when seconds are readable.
h=12 m=3
